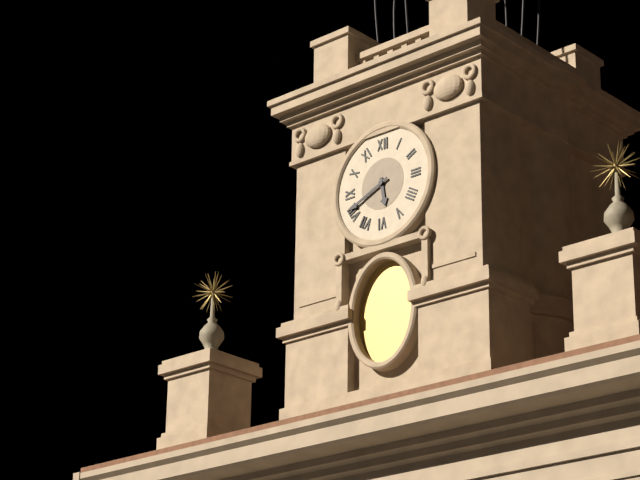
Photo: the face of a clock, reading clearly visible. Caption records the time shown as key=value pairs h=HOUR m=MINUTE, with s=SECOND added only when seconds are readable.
h=5 m=41
